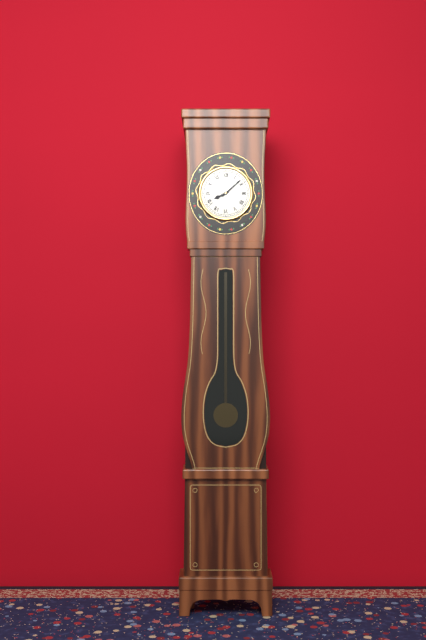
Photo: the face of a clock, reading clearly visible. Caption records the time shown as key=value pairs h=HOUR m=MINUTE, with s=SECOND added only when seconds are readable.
h=8 m=8
